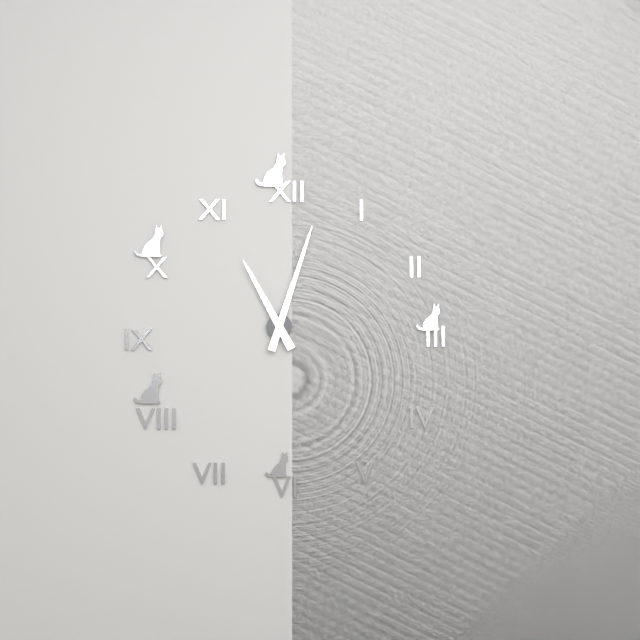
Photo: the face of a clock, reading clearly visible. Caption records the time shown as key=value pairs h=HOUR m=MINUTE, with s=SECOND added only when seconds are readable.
h=11 m=3
